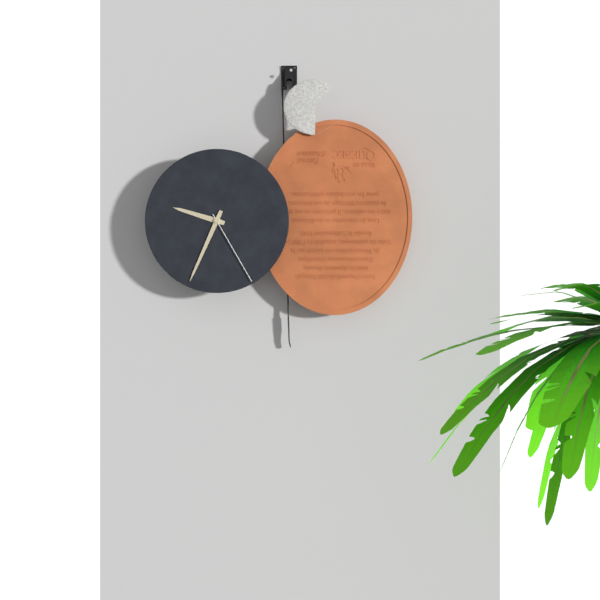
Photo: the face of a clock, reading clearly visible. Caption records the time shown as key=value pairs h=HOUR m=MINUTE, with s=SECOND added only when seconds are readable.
h=9 m=34 s=25
